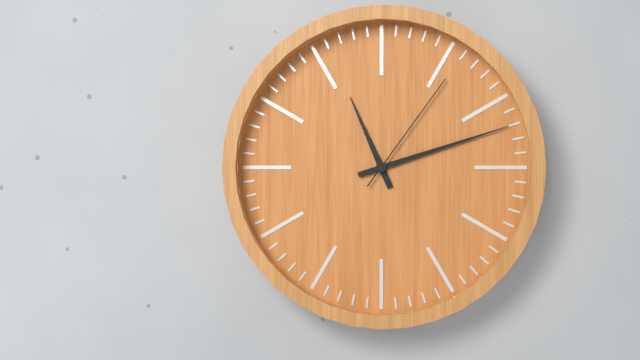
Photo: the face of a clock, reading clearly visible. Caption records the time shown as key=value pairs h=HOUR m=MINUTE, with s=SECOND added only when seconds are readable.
h=11 m=12 s=6
